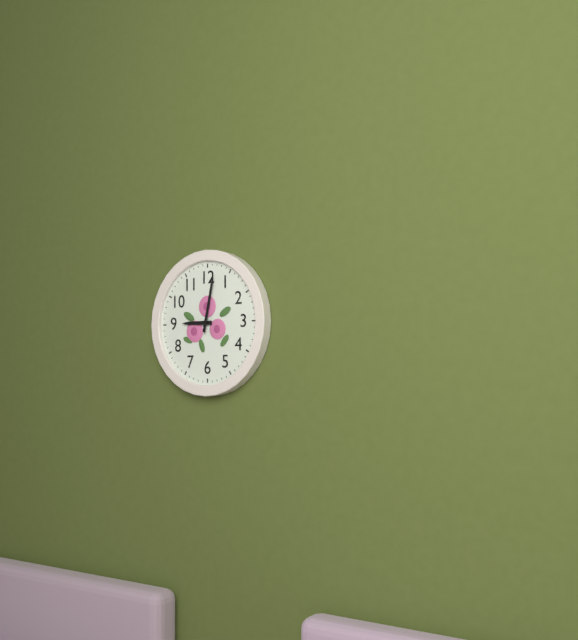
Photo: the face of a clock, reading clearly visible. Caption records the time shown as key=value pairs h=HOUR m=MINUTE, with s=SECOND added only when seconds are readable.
h=9 m=2
